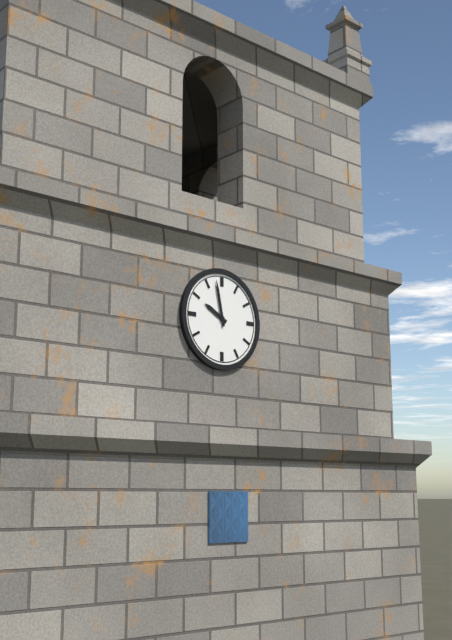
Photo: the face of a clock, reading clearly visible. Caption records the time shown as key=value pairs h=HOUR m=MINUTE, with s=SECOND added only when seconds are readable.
h=9 m=58
